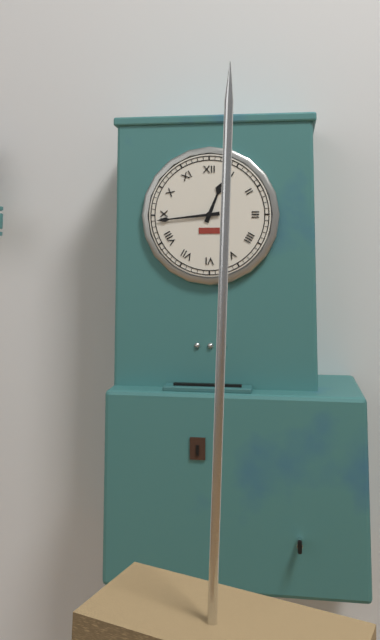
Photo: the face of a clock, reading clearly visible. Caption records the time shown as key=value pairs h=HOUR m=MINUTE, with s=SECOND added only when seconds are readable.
h=12 m=44
